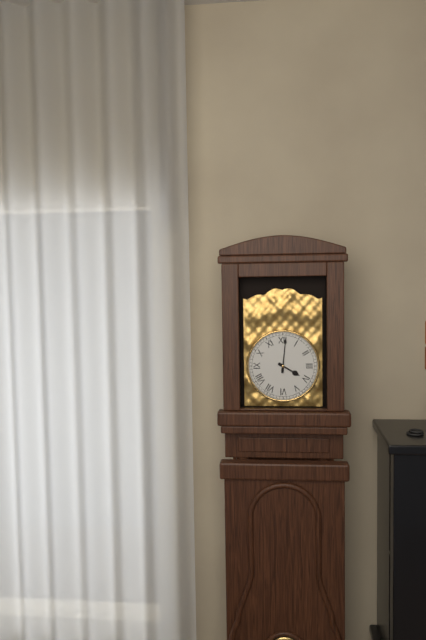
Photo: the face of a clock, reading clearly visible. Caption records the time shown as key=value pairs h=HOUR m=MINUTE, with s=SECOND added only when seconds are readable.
h=4 m=1
